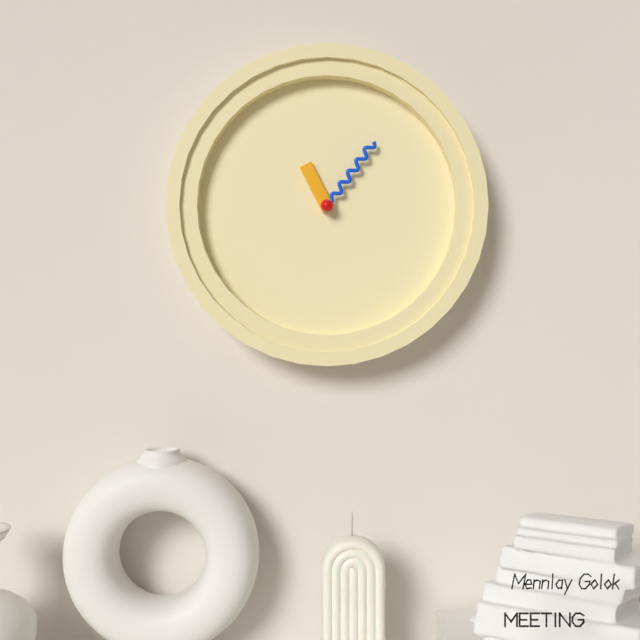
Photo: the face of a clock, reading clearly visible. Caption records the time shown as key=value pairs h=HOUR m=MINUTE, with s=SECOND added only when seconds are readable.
h=11 m=6
